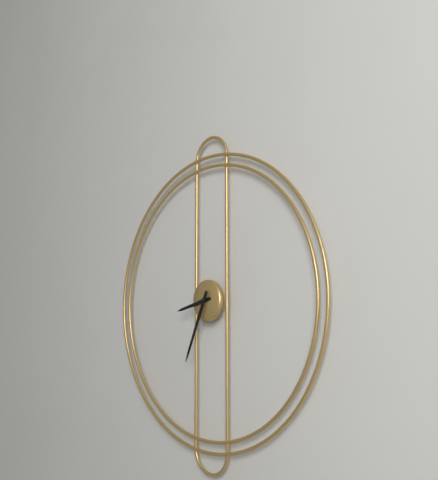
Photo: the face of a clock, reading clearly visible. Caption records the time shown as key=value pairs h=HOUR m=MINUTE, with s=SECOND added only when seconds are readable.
h=8 m=34
